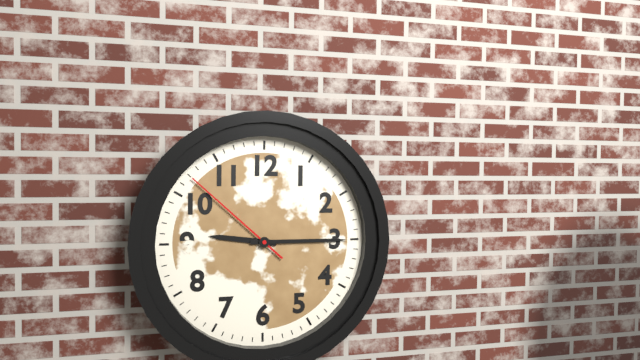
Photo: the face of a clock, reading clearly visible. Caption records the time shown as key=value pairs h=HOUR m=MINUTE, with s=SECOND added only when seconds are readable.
h=9 m=15 s=52
